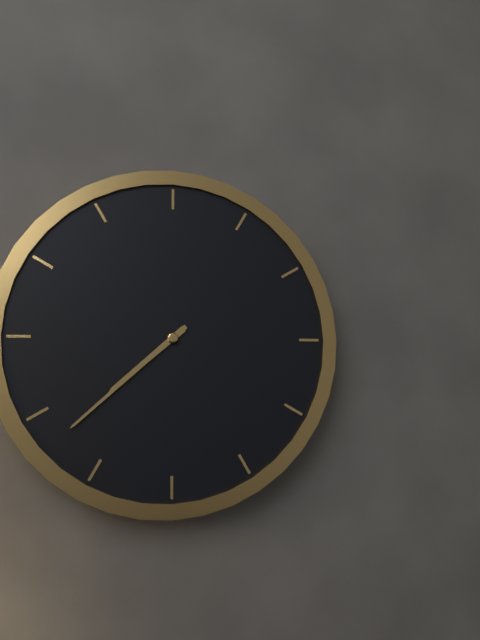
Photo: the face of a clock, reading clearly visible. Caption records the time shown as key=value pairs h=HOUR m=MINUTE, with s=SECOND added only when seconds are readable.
h=7 m=38
